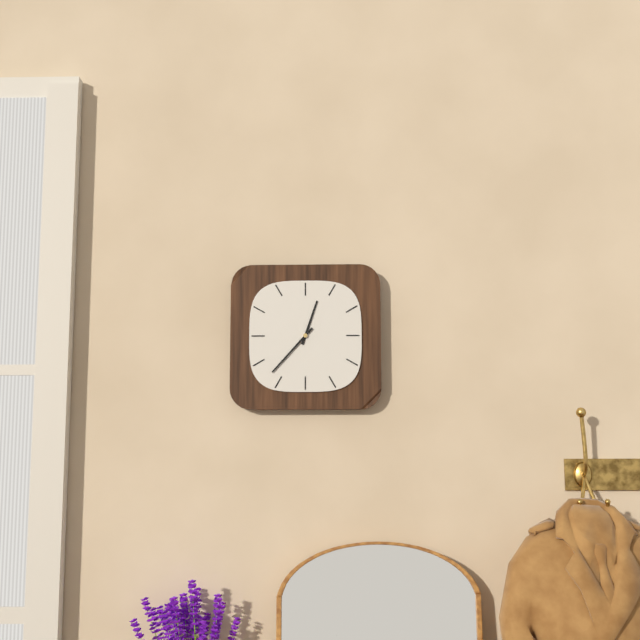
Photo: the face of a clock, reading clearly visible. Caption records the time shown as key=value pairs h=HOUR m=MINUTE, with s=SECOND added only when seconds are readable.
h=12 m=37
